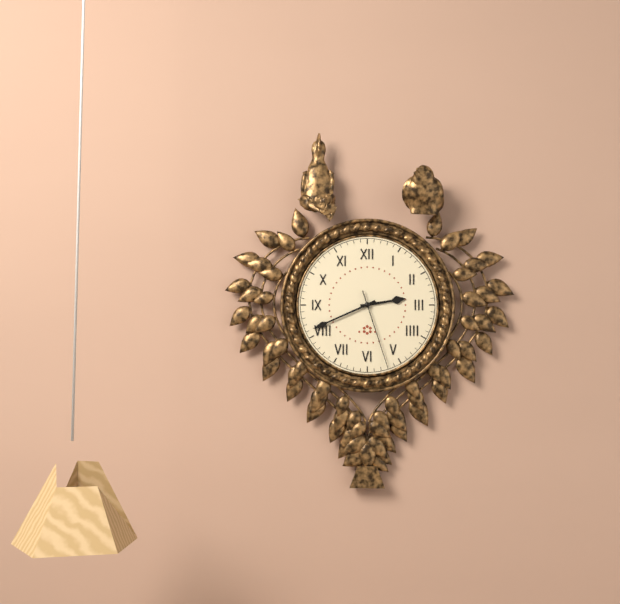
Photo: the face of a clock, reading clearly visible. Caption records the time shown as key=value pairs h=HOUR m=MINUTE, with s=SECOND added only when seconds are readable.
h=2 m=41 s=27
